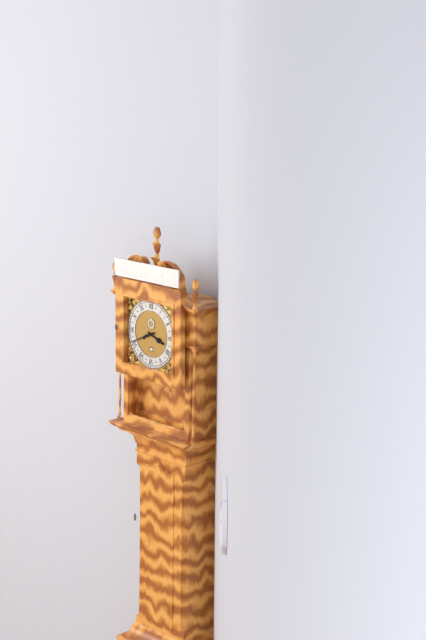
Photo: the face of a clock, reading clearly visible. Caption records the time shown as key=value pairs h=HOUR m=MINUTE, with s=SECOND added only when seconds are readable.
h=3 m=41
